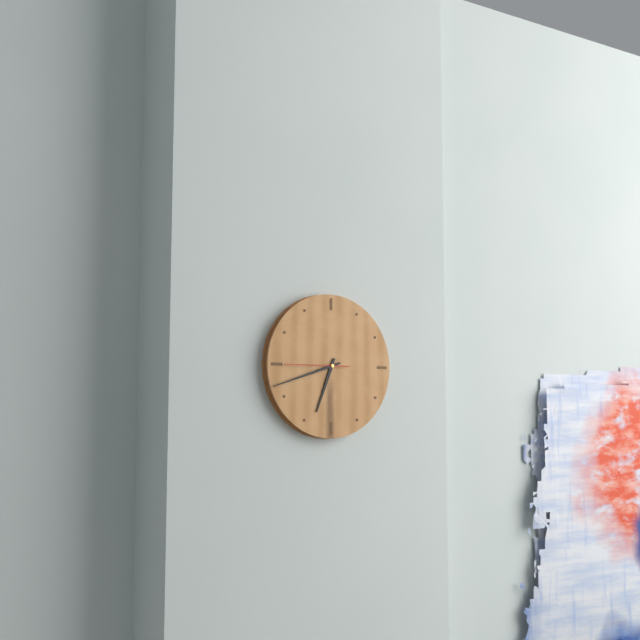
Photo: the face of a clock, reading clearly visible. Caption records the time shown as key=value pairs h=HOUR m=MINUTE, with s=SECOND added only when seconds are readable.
h=6 m=42 s=45
